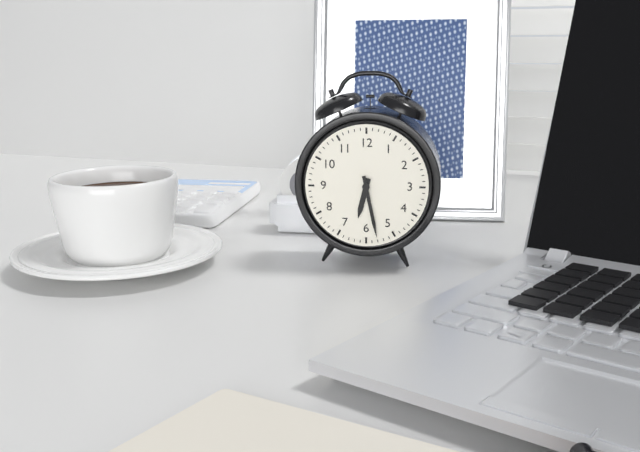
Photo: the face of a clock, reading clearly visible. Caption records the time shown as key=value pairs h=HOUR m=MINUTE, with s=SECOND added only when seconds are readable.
h=6 m=28
